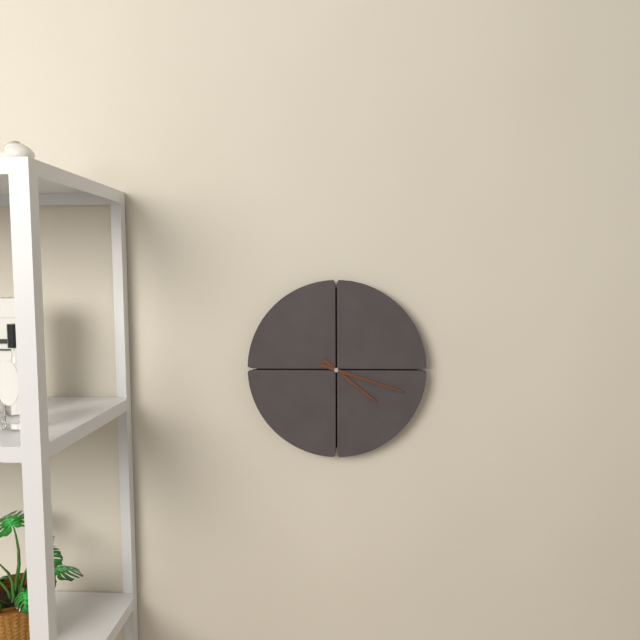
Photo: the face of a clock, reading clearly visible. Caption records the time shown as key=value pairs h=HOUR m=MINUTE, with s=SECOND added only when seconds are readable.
h=4 m=18
